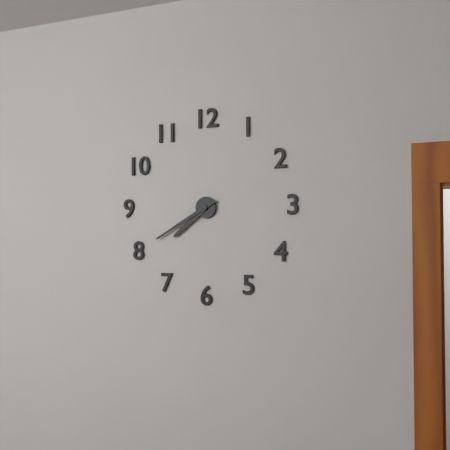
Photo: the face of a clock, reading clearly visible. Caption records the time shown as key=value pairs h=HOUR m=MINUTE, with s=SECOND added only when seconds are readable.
h=7 m=40
